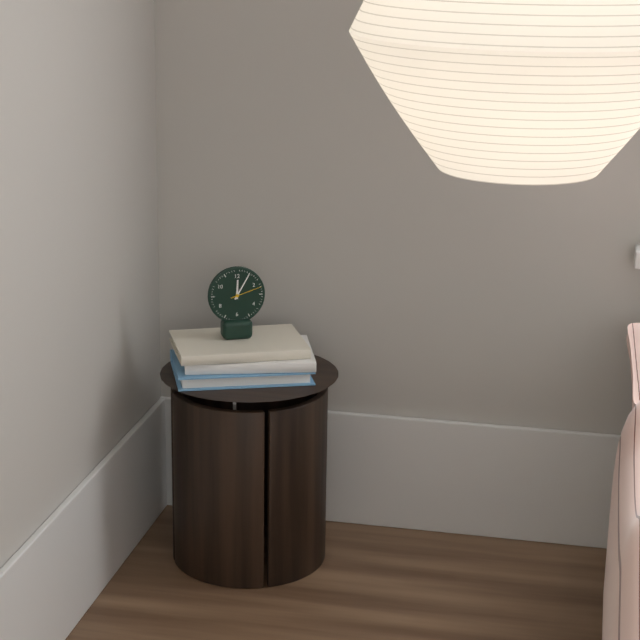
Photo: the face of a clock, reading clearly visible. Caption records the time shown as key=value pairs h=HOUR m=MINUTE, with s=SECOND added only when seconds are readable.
h=12 m=5
